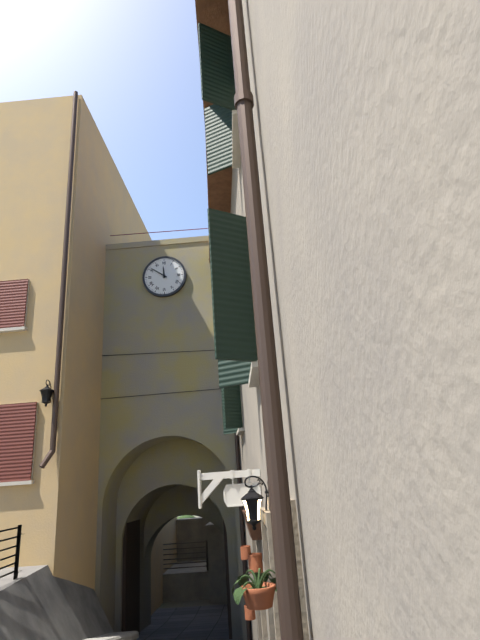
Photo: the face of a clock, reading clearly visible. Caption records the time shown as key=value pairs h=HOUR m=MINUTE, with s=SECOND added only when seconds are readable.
h=11 m=51
